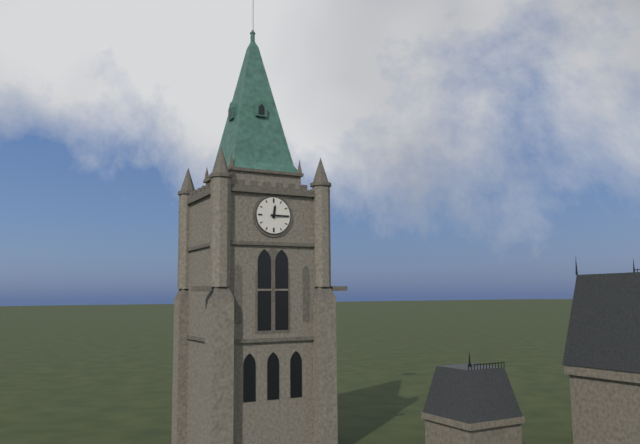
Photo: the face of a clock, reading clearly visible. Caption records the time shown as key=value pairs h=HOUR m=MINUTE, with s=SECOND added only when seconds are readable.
h=12 m=15
